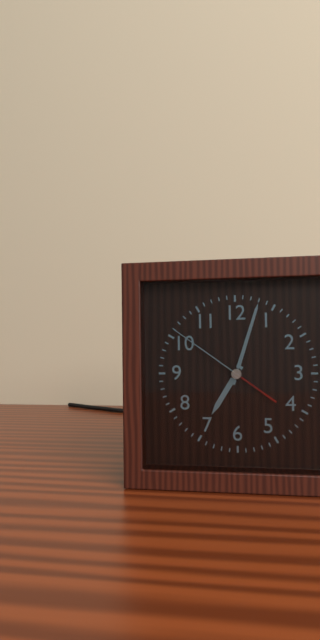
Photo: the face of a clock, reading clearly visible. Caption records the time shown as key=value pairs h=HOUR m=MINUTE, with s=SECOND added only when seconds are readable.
h=7 m=3 s=51
